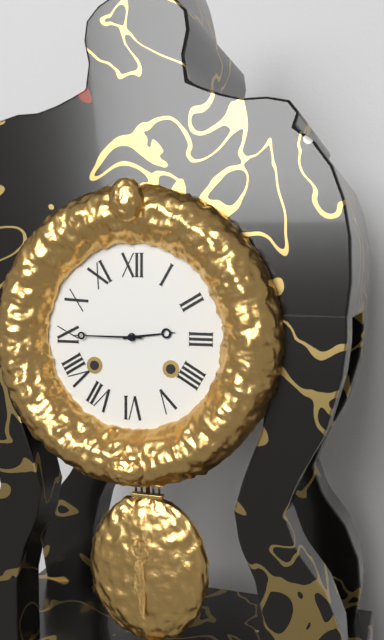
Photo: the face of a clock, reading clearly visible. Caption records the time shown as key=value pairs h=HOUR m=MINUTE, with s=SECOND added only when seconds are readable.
h=2 m=45
